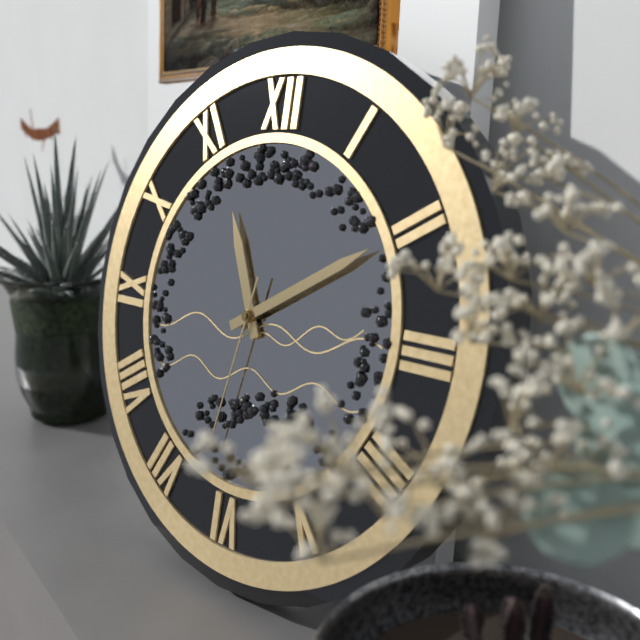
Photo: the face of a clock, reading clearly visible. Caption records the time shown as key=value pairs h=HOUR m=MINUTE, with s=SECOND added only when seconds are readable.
h=11 m=10 s=32
